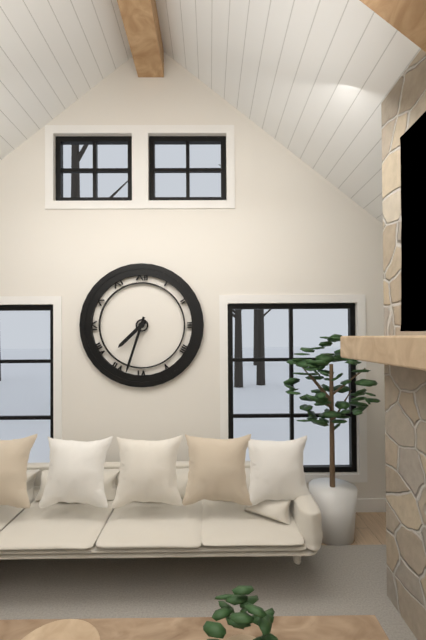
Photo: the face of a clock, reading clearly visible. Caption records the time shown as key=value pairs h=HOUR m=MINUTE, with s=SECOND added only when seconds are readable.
h=7 m=33
